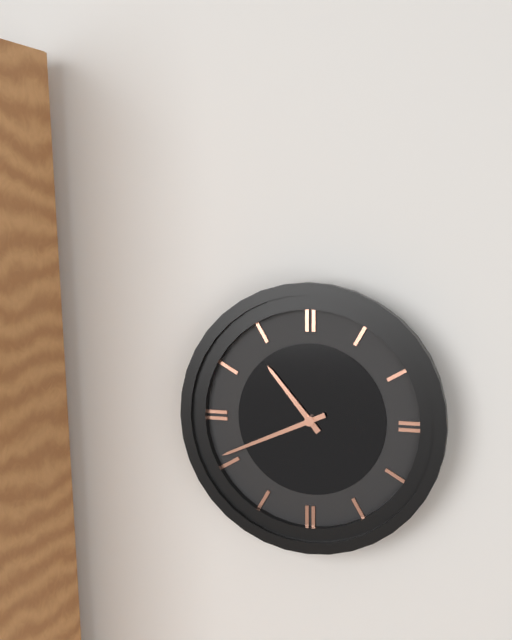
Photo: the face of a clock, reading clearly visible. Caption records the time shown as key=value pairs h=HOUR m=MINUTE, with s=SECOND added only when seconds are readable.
h=10 m=41
